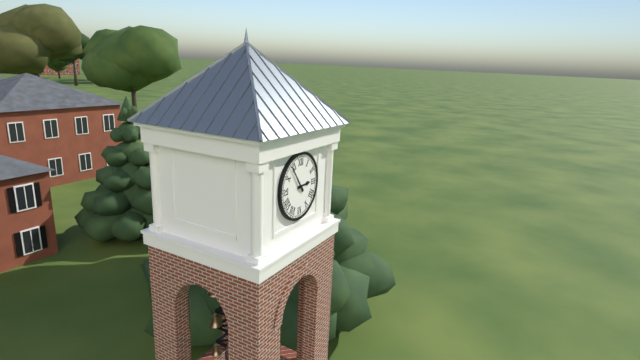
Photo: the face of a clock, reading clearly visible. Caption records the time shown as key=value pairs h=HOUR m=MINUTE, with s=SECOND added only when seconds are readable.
h=2 m=54
